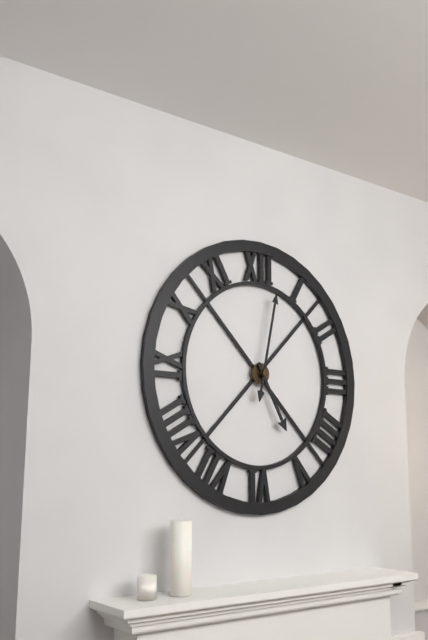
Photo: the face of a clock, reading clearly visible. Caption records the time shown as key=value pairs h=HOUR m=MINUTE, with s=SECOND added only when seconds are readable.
h=5 m=2
